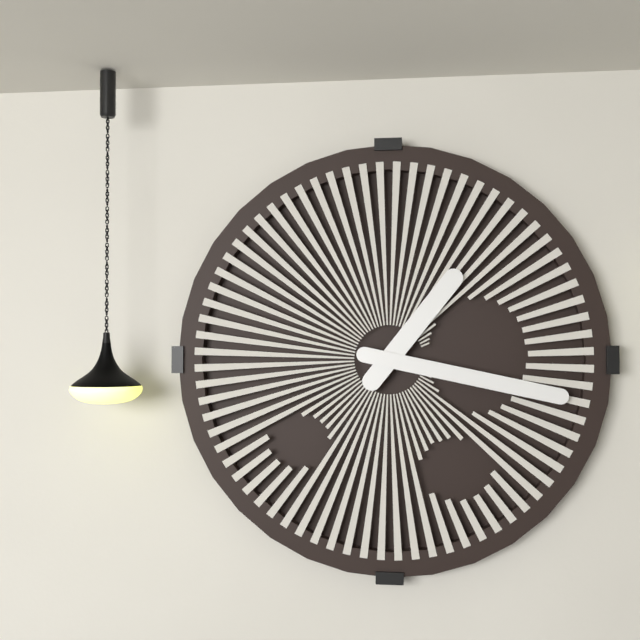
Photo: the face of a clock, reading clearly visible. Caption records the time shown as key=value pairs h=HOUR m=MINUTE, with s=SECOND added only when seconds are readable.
h=1 m=17
